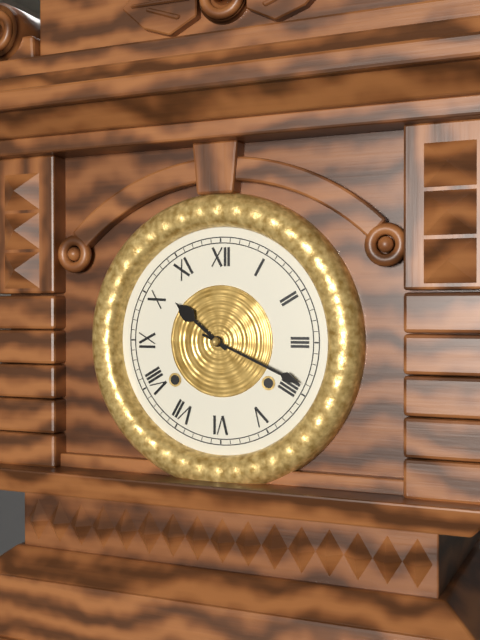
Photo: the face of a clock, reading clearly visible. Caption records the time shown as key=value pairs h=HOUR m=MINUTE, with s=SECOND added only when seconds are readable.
h=10 m=19
